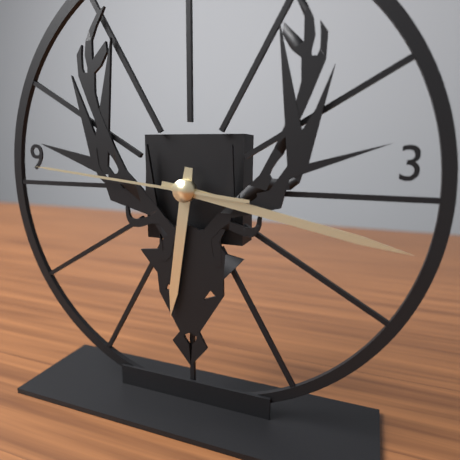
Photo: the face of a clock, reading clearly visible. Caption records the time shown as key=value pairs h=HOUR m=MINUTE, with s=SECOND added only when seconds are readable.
h=6 m=17 s=46
